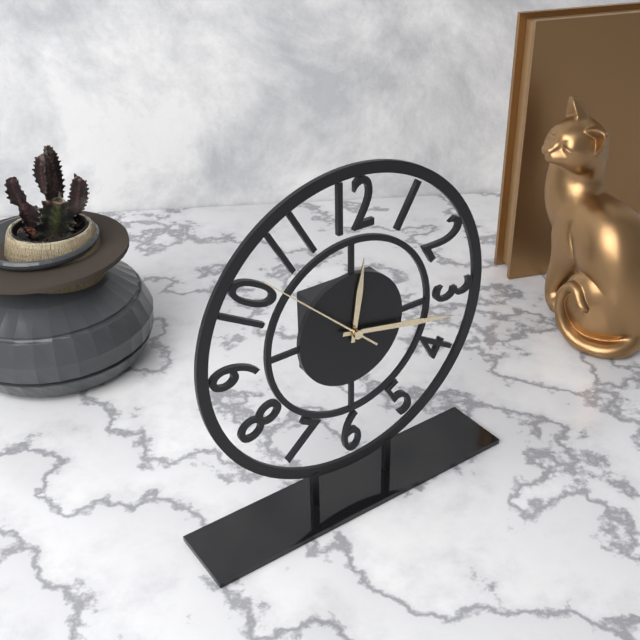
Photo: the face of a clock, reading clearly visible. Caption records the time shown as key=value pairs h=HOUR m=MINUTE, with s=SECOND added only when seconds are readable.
h=12 m=17 s=52
